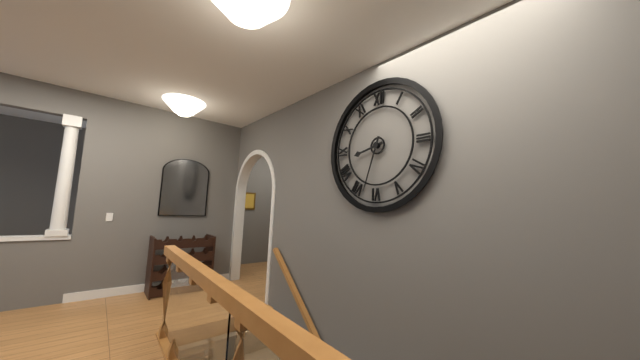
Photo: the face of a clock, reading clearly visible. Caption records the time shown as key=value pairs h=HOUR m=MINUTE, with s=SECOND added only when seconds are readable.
h=8 m=33
